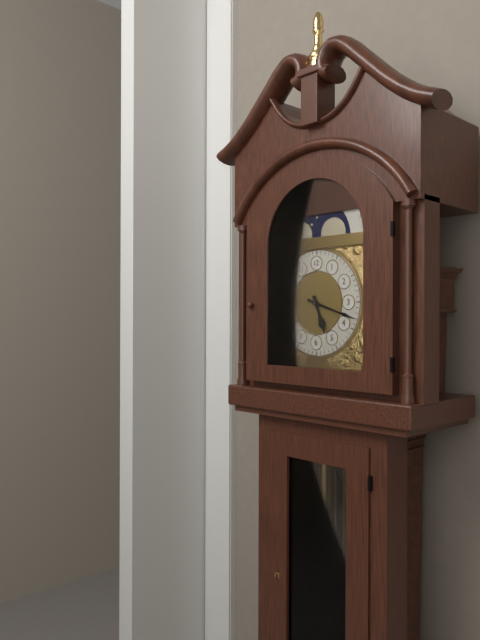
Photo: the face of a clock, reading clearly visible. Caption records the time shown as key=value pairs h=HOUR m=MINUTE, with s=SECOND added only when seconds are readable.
h=5 m=18
